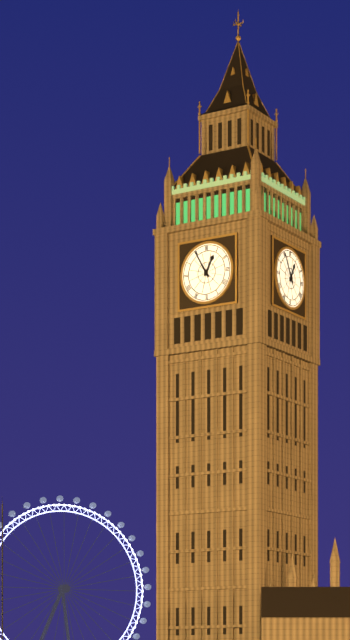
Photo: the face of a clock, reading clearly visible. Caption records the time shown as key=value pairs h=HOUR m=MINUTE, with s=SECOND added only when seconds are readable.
h=12 m=55
